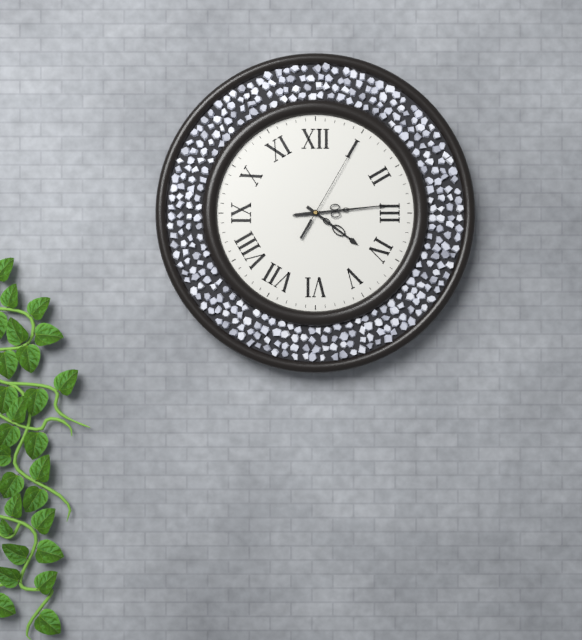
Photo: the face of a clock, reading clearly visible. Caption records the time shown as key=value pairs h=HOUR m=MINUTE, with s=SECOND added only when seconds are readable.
h=4 m=14 s=5
